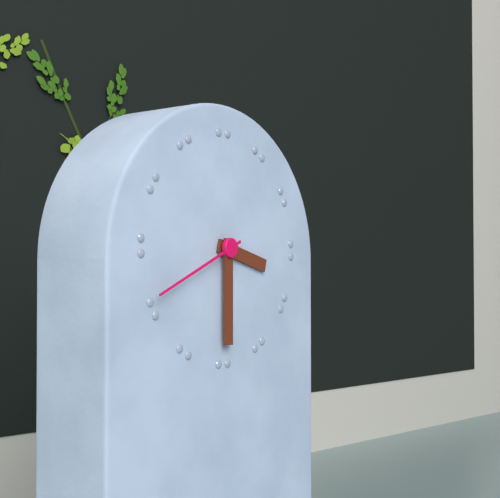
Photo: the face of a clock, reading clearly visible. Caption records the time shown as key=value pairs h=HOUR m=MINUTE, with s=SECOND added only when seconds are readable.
h=3 m=30 s=41
